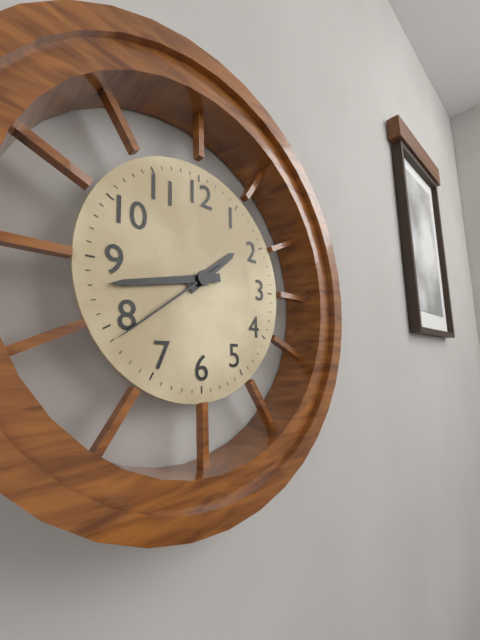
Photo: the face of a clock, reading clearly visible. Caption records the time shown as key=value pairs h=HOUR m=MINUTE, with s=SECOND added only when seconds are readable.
h=1 m=43 s=39
